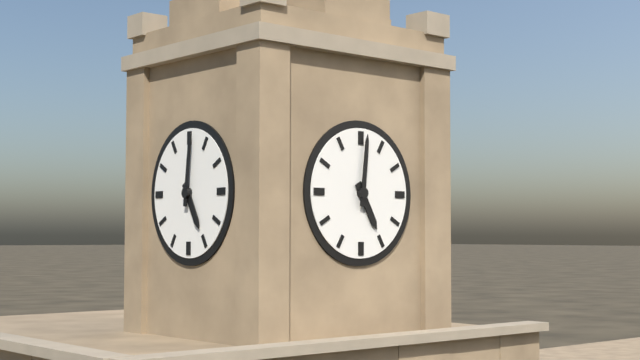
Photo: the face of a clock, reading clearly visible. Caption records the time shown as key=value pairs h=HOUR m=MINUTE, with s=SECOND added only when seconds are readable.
h=5 m=1
